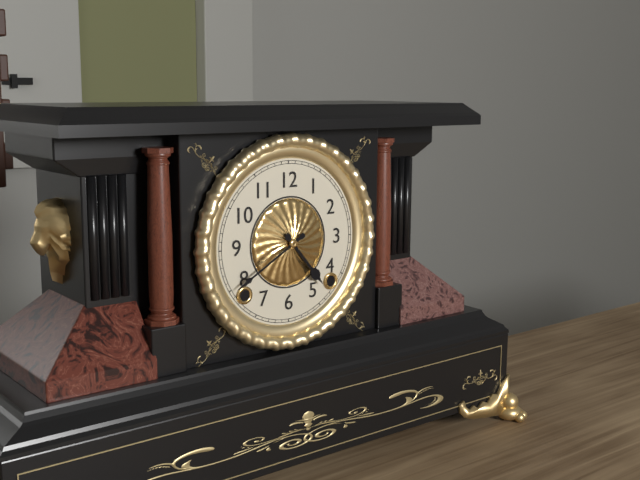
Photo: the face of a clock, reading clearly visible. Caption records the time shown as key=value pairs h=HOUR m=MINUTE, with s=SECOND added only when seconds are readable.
h=4 m=40
